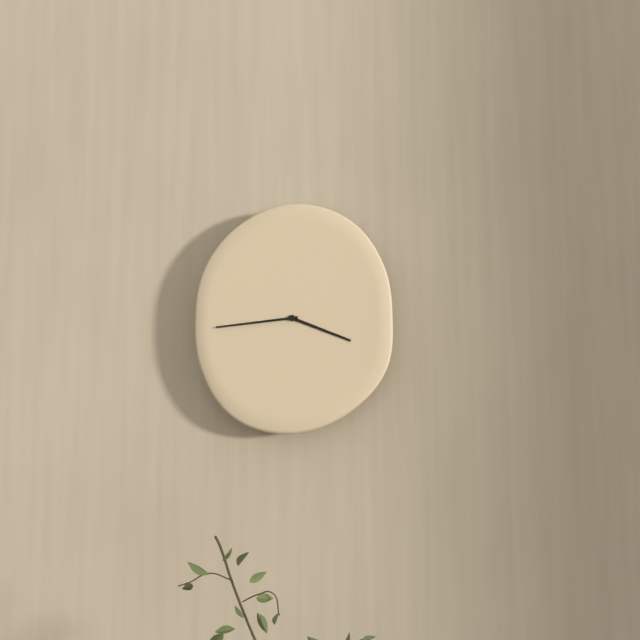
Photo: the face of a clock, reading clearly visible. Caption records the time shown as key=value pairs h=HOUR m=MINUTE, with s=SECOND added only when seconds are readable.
h=3 m=44
